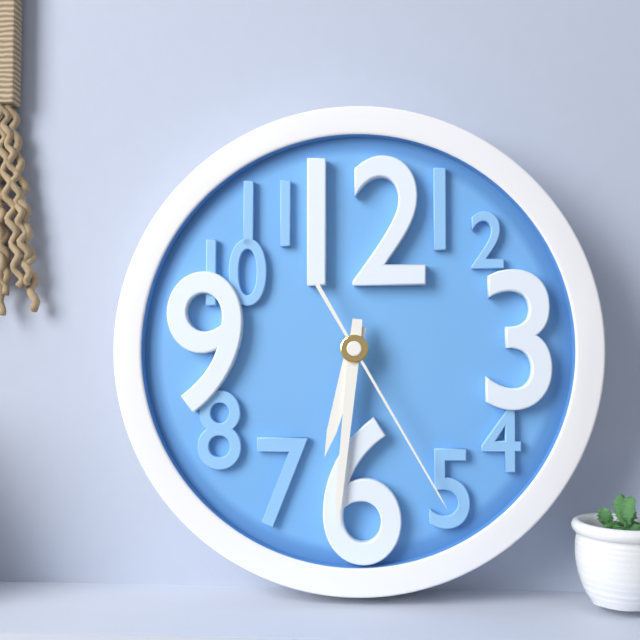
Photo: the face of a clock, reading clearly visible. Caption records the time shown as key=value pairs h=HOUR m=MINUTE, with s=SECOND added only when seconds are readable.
h=6 m=31 s=25
